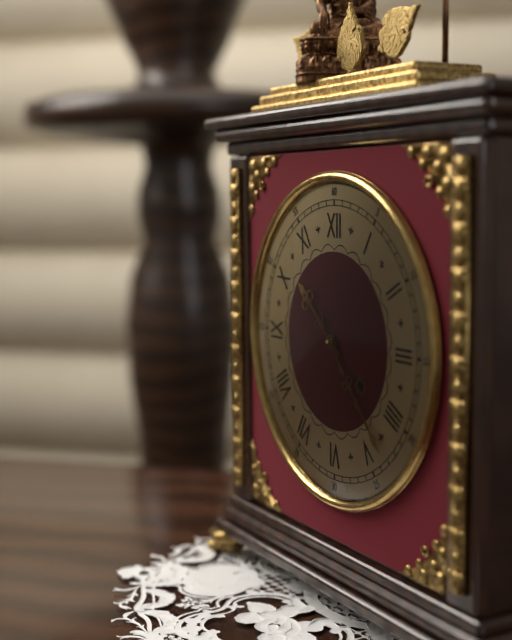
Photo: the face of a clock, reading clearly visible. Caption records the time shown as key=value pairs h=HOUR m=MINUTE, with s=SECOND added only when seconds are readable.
h=10 m=23
